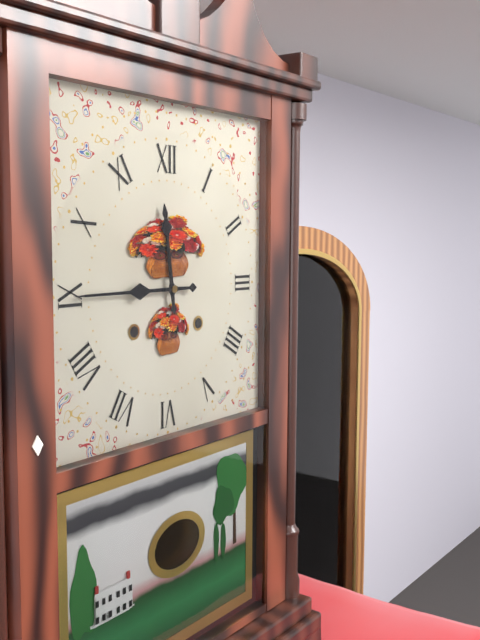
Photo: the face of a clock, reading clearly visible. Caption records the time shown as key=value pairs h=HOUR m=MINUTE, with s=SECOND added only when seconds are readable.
h=11 m=45
